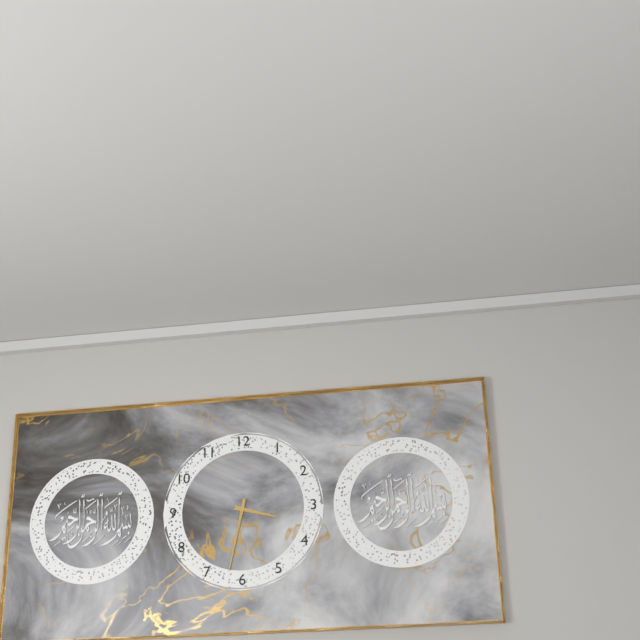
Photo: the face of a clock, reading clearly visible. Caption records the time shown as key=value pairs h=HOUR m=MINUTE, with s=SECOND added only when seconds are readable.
h=3 m=32
